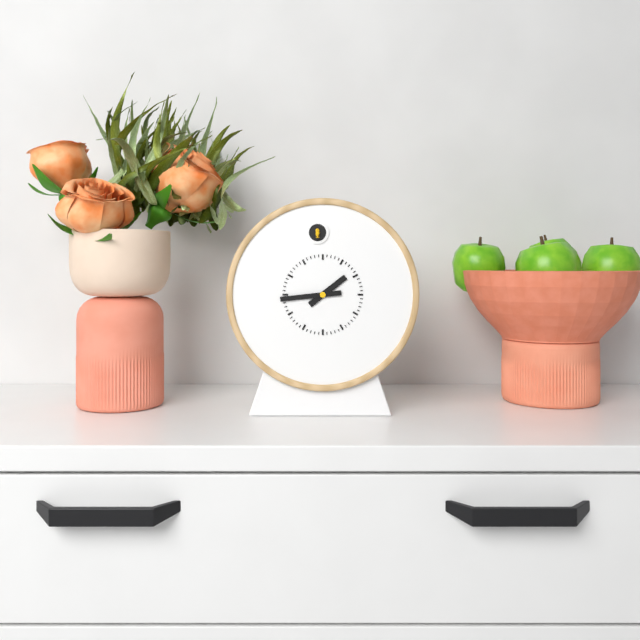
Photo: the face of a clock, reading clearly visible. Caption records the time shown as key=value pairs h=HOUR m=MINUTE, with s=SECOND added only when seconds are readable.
h=1 m=44
